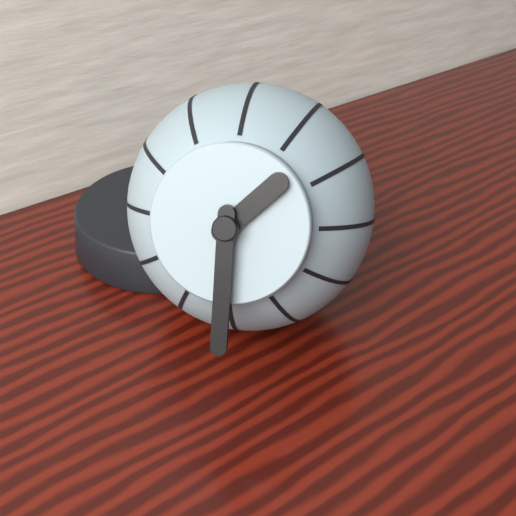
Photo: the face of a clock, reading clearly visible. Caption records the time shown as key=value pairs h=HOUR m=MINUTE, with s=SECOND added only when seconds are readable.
h=1 m=30
